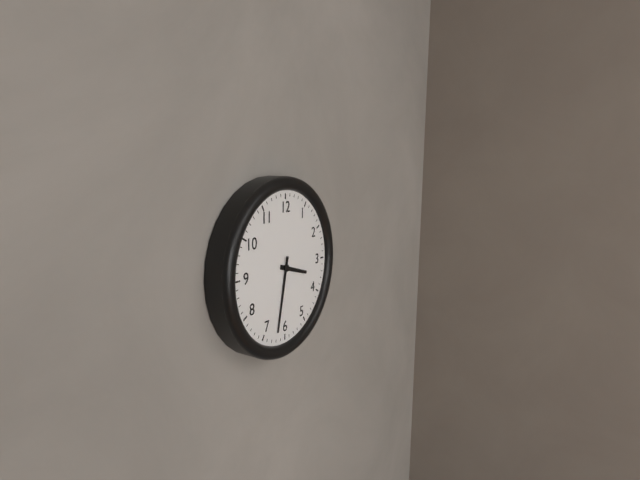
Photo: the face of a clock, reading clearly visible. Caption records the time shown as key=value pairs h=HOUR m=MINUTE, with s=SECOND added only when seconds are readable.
h=3 m=32
